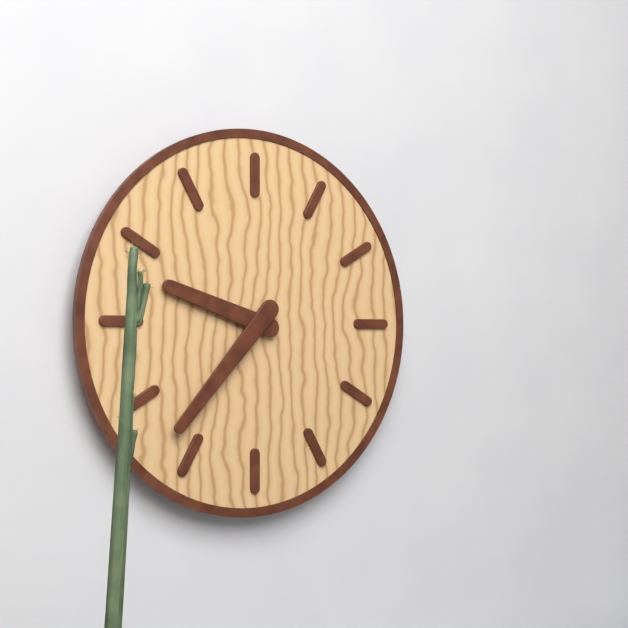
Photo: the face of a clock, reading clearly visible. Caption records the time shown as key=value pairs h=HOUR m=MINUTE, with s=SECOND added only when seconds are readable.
h=9 m=37
